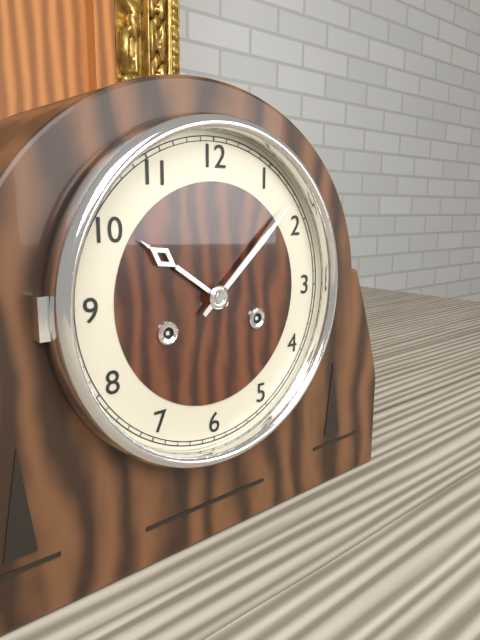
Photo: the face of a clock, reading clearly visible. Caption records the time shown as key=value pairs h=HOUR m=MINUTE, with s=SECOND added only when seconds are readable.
h=10 m=8
